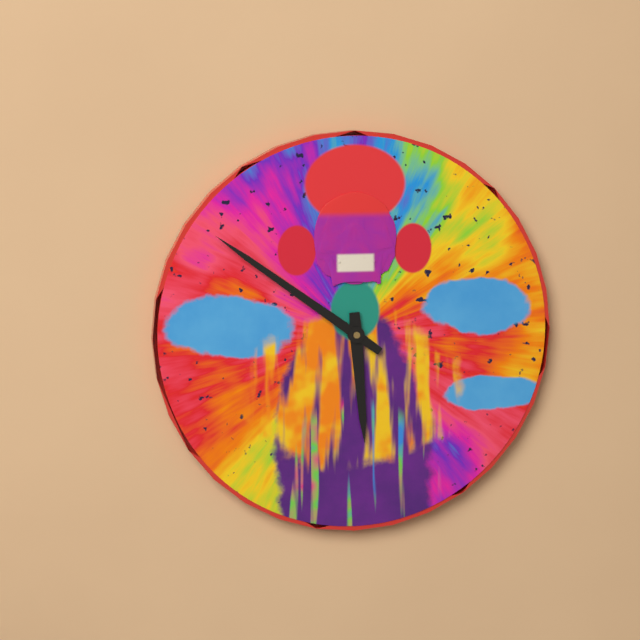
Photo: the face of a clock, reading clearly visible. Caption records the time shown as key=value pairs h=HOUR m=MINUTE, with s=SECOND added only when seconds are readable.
h=5 m=51
